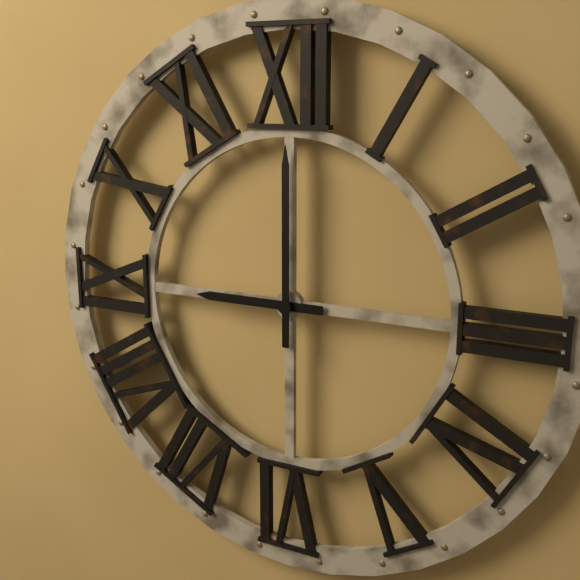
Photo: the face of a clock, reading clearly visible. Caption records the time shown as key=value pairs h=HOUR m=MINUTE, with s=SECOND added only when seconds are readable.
h=9 m=0
